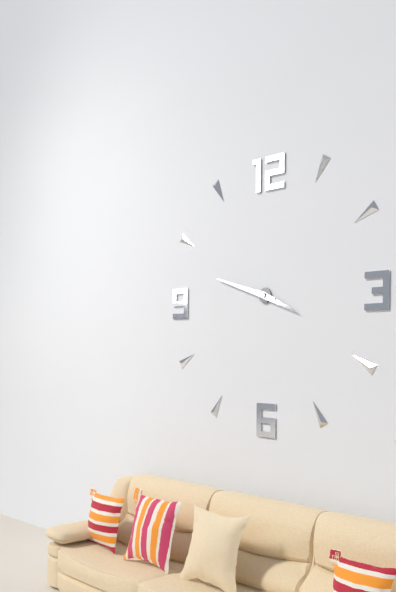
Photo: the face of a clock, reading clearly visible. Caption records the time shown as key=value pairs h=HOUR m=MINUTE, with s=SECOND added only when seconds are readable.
h=3 m=48
